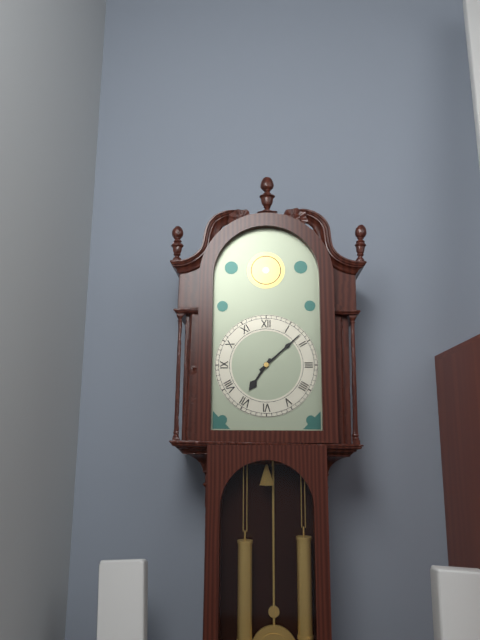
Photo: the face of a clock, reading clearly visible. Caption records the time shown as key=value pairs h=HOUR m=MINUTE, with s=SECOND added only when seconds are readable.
h=7 m=8
